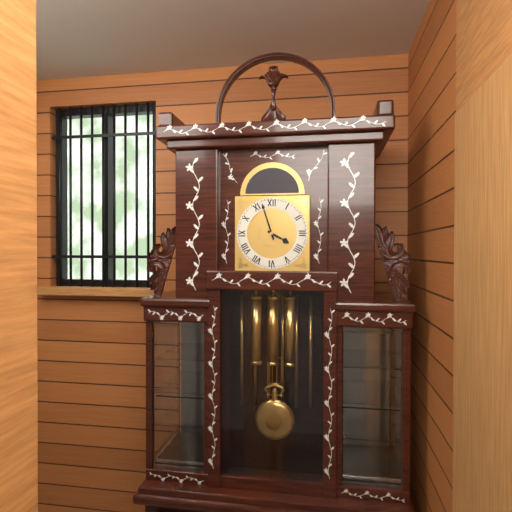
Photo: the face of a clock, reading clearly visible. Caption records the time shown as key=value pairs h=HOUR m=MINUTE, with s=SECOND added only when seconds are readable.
h=3 m=57
